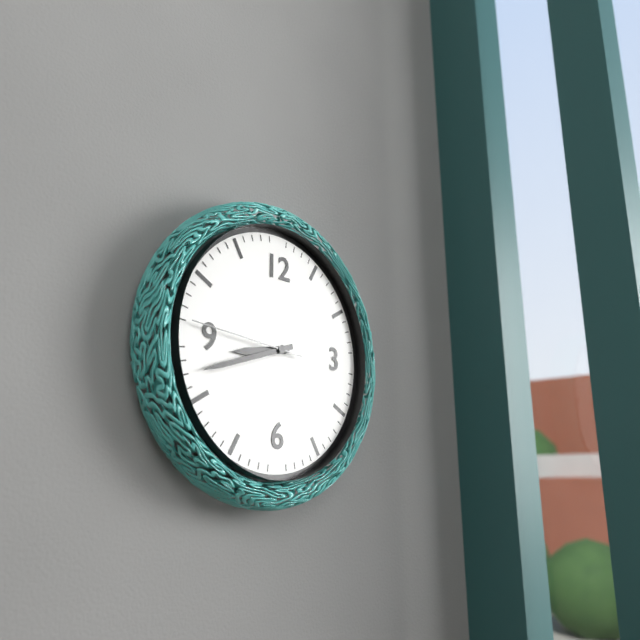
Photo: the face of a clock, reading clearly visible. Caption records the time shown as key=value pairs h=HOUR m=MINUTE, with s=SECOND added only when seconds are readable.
h=8 m=42 s=46
